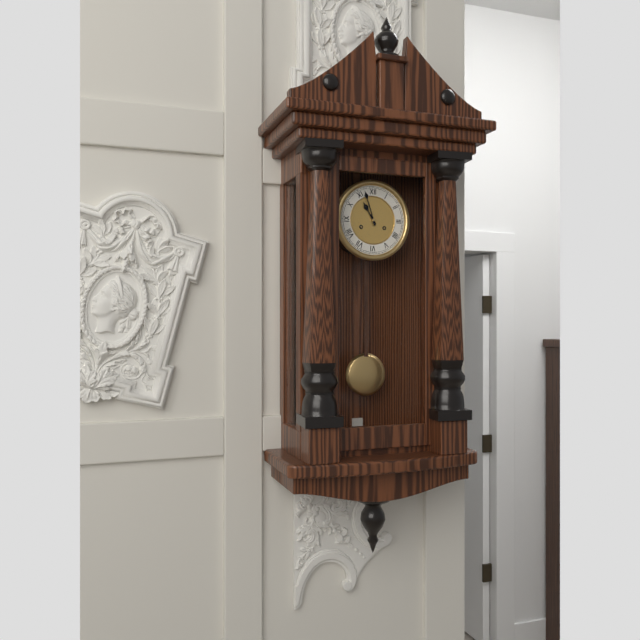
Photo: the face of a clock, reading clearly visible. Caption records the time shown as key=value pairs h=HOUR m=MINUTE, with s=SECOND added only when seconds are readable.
h=10 m=57
